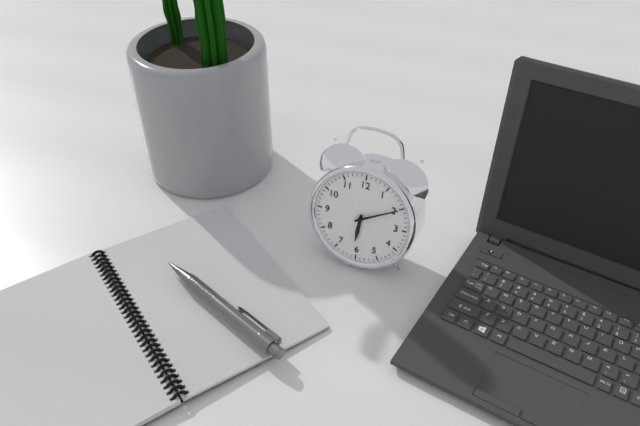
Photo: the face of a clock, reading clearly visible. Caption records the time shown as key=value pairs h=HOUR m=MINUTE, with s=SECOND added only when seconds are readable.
h=6 m=10
